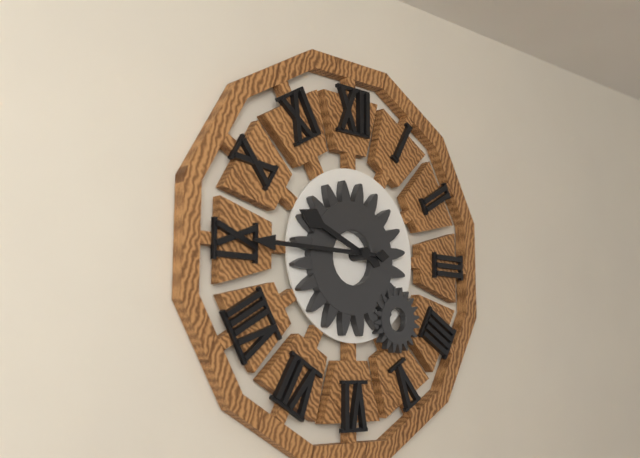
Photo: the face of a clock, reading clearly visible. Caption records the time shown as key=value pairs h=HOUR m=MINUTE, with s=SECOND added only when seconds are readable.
h=9 m=45
